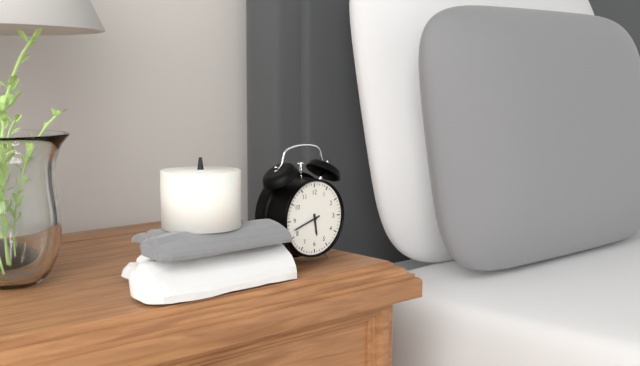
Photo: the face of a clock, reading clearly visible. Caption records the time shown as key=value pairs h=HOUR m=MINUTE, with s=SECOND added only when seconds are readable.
h=5 m=42
